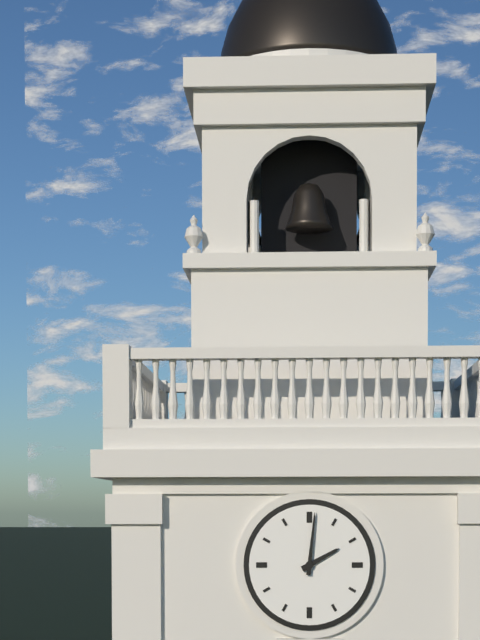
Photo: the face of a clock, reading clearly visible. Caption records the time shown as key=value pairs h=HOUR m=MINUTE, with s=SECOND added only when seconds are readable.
h=2 m=1
